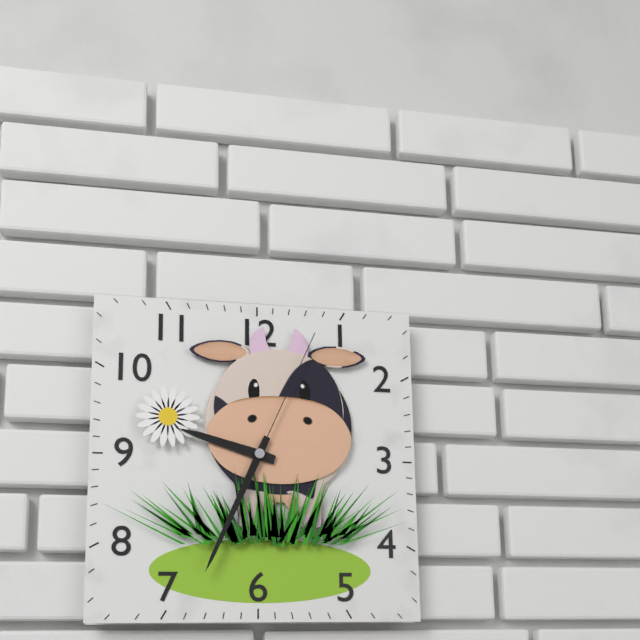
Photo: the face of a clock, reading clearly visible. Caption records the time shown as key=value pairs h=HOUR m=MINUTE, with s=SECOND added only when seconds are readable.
h=9 m=34 s=4
